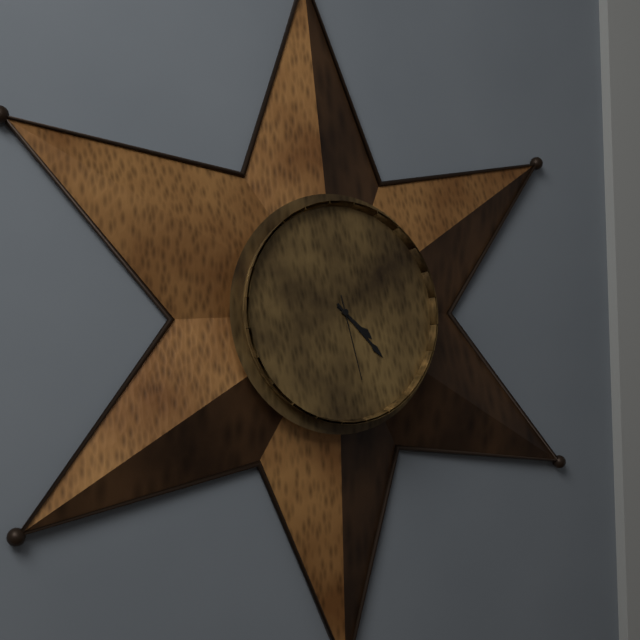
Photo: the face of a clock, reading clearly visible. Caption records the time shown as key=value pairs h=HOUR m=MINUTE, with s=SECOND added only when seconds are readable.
h=4 m=23 s=28
